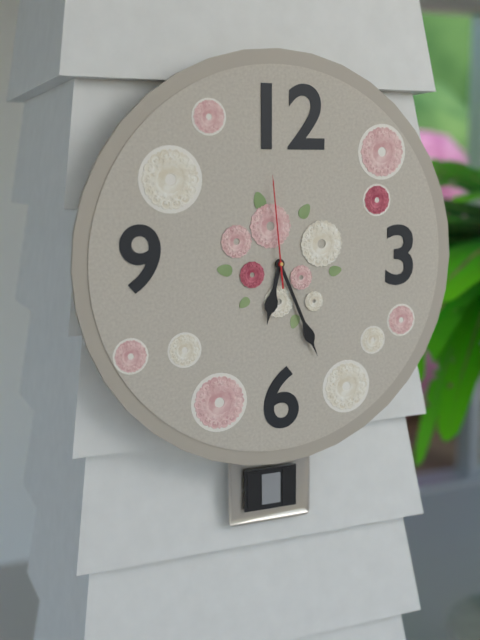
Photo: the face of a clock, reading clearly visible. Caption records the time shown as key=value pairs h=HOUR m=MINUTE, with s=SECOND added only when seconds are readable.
h=6 m=26 s=59
